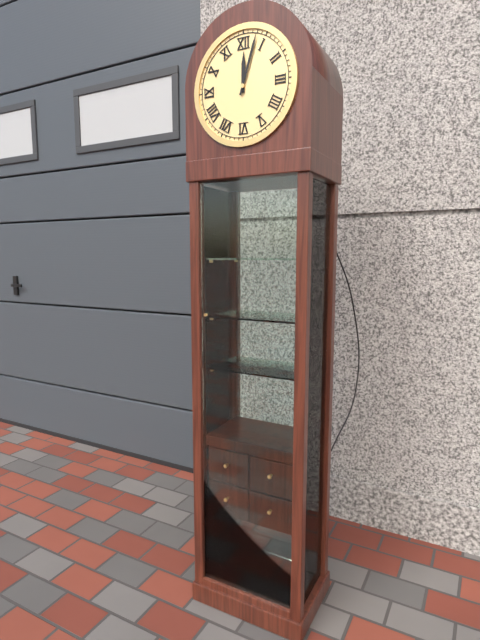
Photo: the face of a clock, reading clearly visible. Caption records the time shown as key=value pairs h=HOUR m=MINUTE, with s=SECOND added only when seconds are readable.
h=12 m=3
